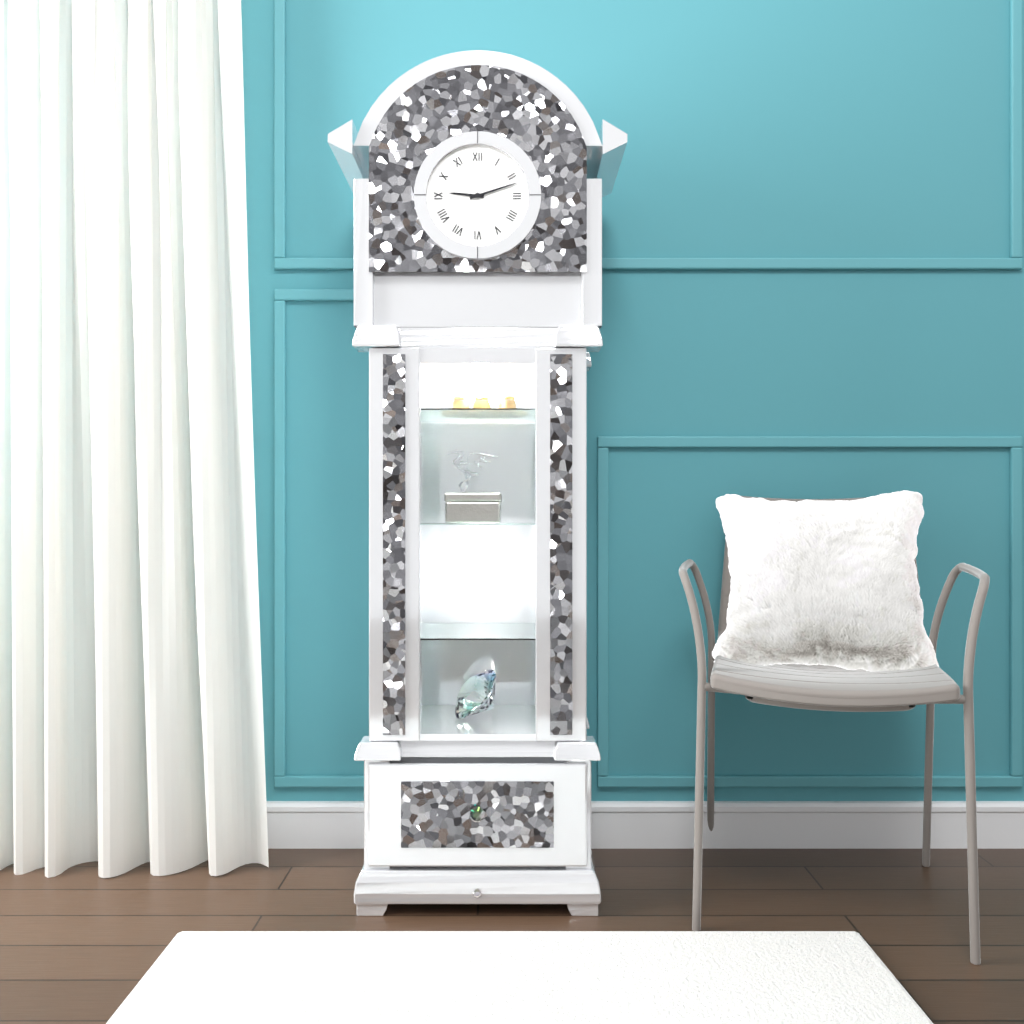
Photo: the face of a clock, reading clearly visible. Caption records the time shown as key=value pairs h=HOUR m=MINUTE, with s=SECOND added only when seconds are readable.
h=9 m=12
